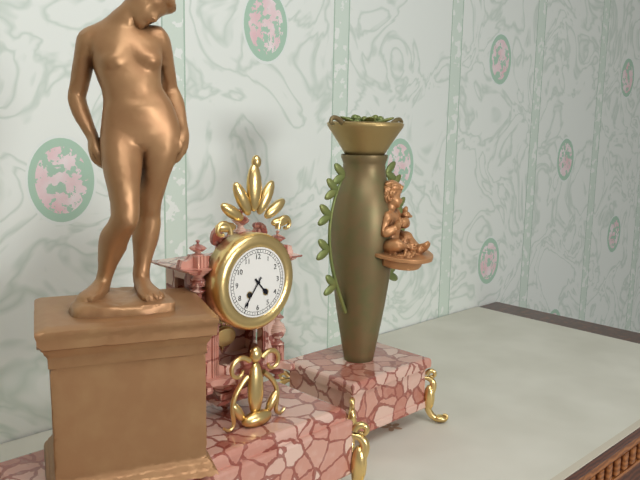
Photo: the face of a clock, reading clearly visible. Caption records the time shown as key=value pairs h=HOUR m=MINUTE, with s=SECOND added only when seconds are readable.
h=4 m=36
